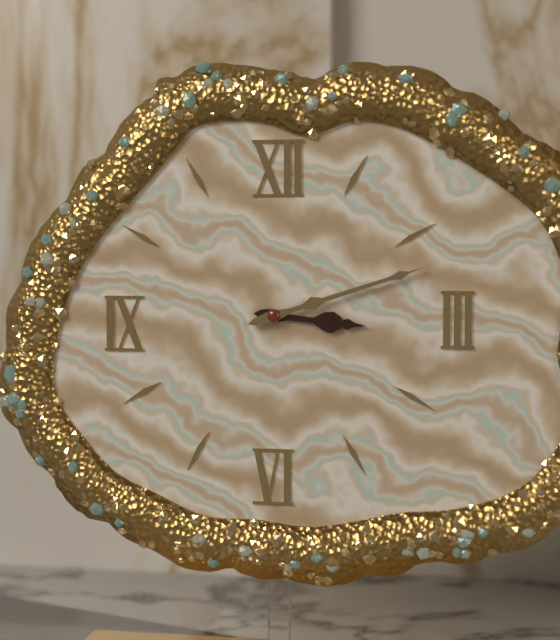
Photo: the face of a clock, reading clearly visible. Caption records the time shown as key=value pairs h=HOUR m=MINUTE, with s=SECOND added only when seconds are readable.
h=3 m=12
